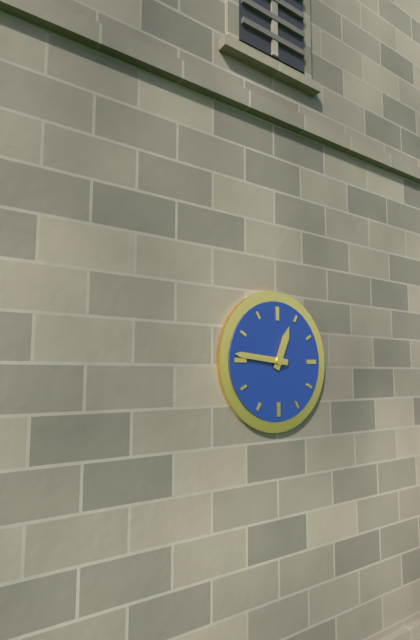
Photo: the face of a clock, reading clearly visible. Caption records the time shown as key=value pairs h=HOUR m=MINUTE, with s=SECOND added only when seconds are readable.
h=12 m=46
